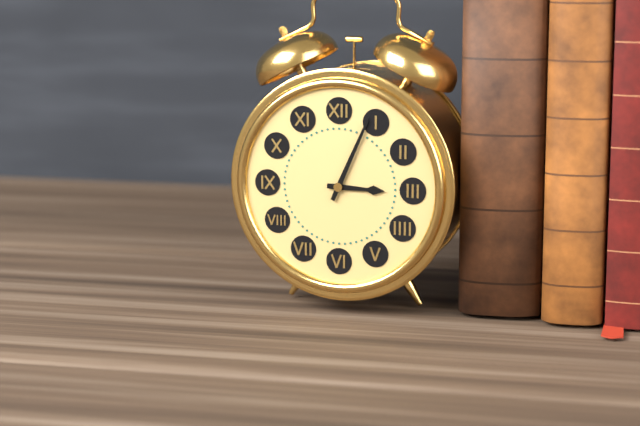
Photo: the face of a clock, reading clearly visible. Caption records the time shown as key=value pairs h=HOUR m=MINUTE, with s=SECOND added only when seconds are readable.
h=3 m=4
